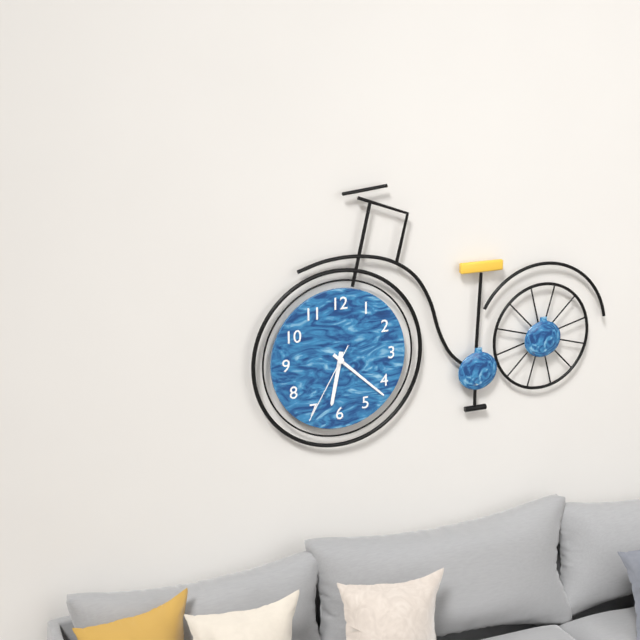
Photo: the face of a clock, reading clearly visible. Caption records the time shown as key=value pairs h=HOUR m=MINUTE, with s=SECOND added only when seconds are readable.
h=6 m=22 s=35
